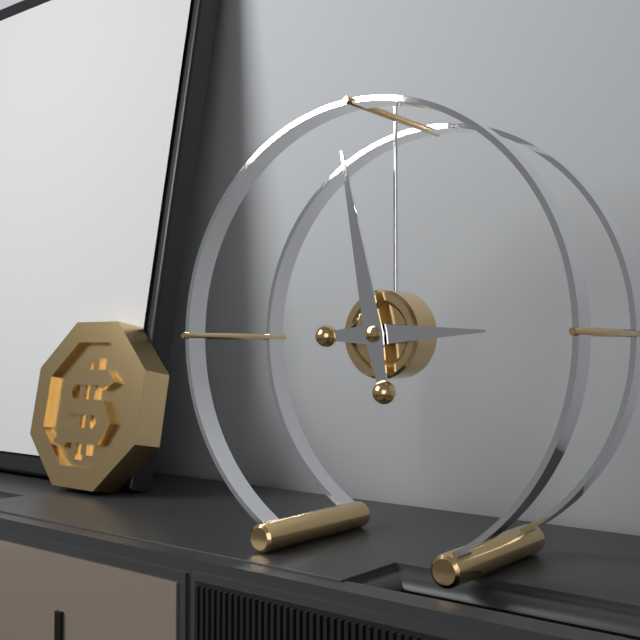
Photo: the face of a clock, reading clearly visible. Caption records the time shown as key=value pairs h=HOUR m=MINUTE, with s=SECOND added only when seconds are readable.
h=2 m=58
